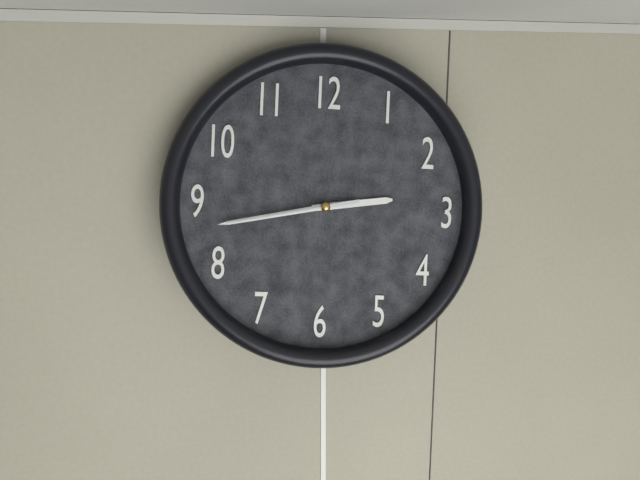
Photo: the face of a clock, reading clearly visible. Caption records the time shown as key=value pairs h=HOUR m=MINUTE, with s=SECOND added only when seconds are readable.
h=2 m=43 s=43
